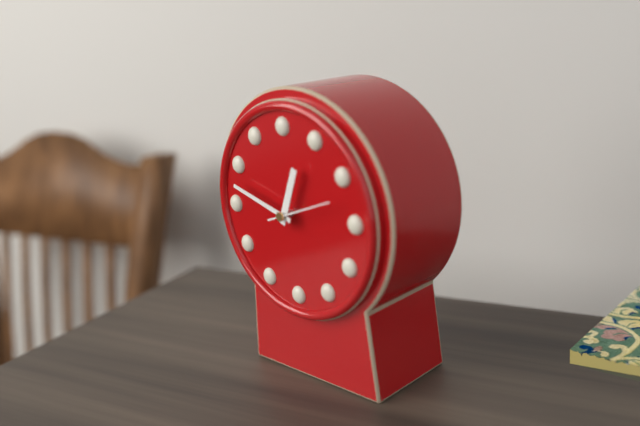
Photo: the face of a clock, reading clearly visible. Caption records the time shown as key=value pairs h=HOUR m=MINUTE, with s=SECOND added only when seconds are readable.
h=12 m=48 s=12
